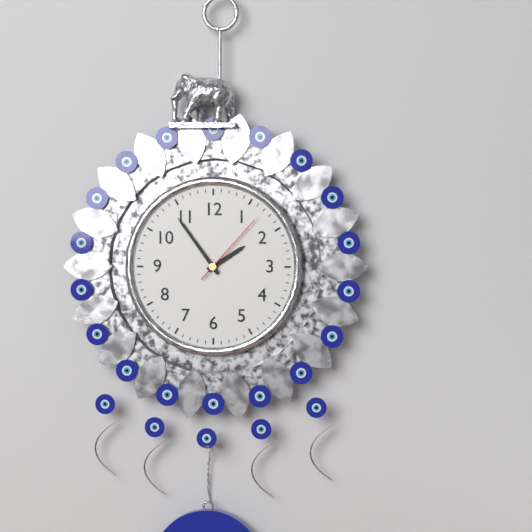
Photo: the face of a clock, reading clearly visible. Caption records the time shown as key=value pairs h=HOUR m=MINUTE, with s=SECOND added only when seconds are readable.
h=1 m=54 s=7
